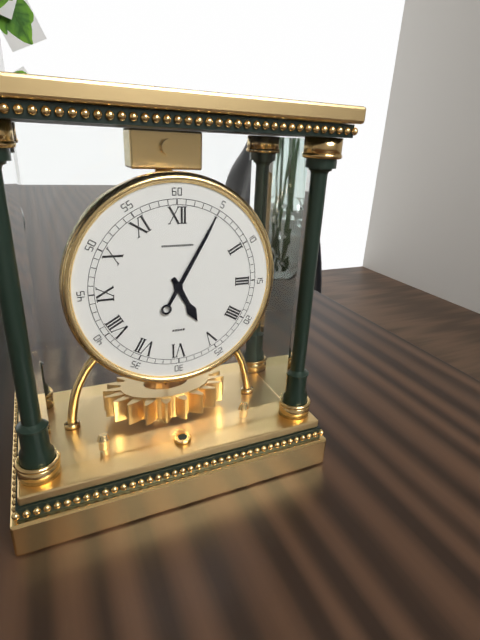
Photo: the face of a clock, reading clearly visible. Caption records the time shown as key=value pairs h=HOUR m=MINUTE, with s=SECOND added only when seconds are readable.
h=5 m=5
